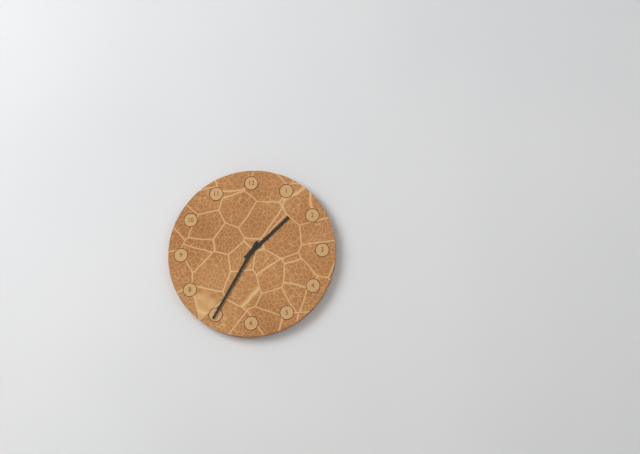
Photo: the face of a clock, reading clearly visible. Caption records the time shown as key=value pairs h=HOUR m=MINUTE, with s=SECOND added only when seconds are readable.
h=1 m=35
